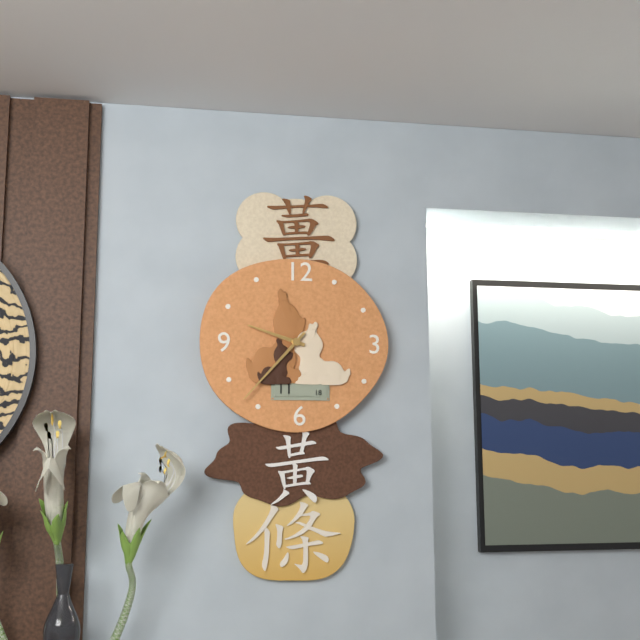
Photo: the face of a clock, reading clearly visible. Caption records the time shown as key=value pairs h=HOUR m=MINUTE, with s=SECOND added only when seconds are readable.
h=9 m=37
